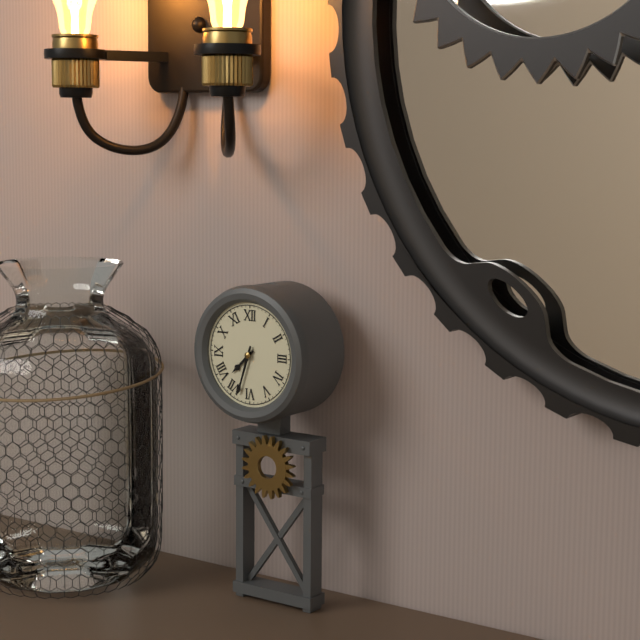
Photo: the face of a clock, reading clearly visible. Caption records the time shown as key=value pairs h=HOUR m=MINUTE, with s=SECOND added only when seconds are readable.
h=7 m=33
